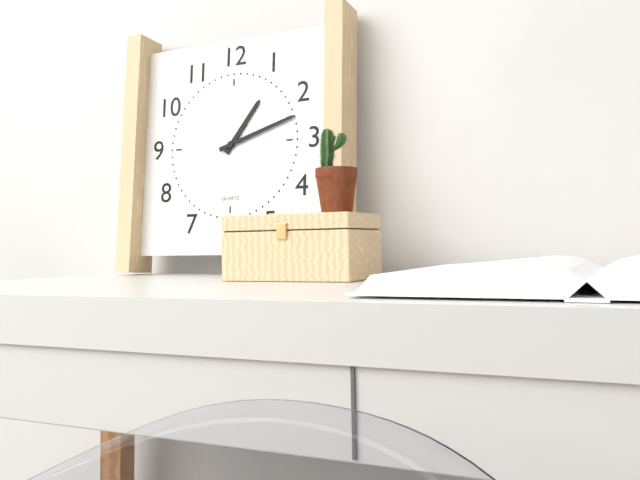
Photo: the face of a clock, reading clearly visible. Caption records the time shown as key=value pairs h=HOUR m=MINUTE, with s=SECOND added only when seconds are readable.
h=1 m=12
